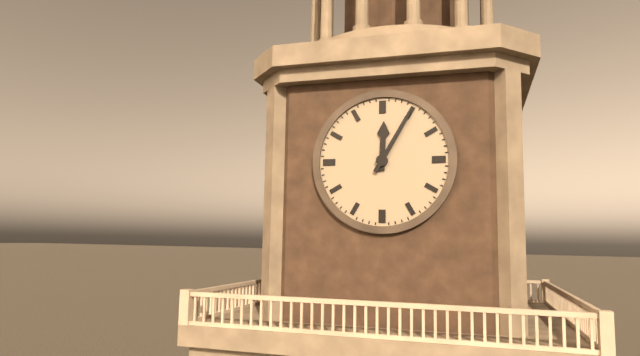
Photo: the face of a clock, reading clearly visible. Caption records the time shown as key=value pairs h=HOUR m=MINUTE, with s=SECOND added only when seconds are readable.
h=12 m=5
